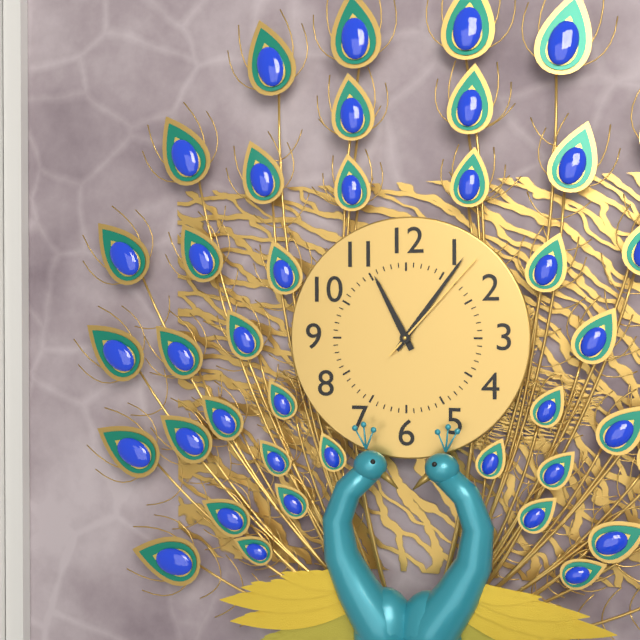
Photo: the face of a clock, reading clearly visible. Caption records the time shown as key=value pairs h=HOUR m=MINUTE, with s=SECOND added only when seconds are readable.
h=11 m=6 s=7
